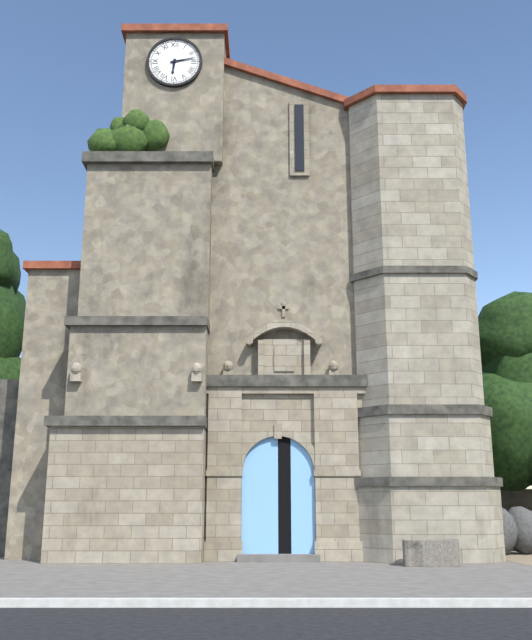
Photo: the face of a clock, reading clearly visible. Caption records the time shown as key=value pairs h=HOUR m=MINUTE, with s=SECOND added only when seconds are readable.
h=6 m=13
